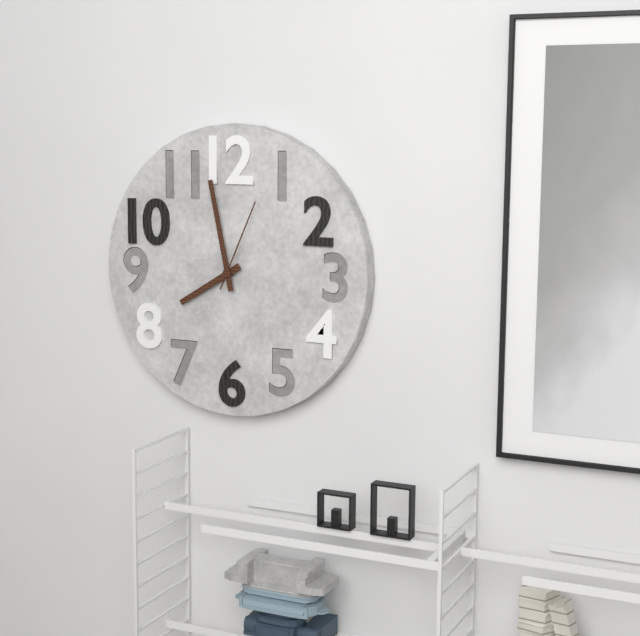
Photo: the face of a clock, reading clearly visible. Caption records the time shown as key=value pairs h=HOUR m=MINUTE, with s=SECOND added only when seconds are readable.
h=7 m=58 s=4
